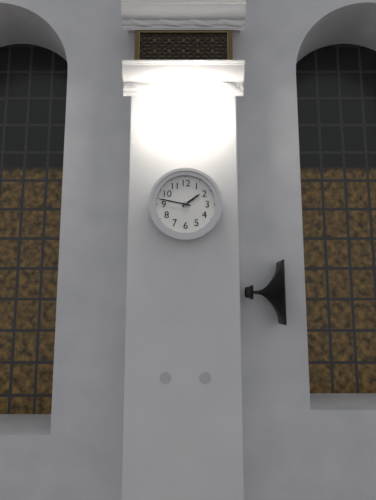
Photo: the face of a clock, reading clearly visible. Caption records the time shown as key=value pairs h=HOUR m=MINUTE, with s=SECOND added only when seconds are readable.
h=1 m=47
